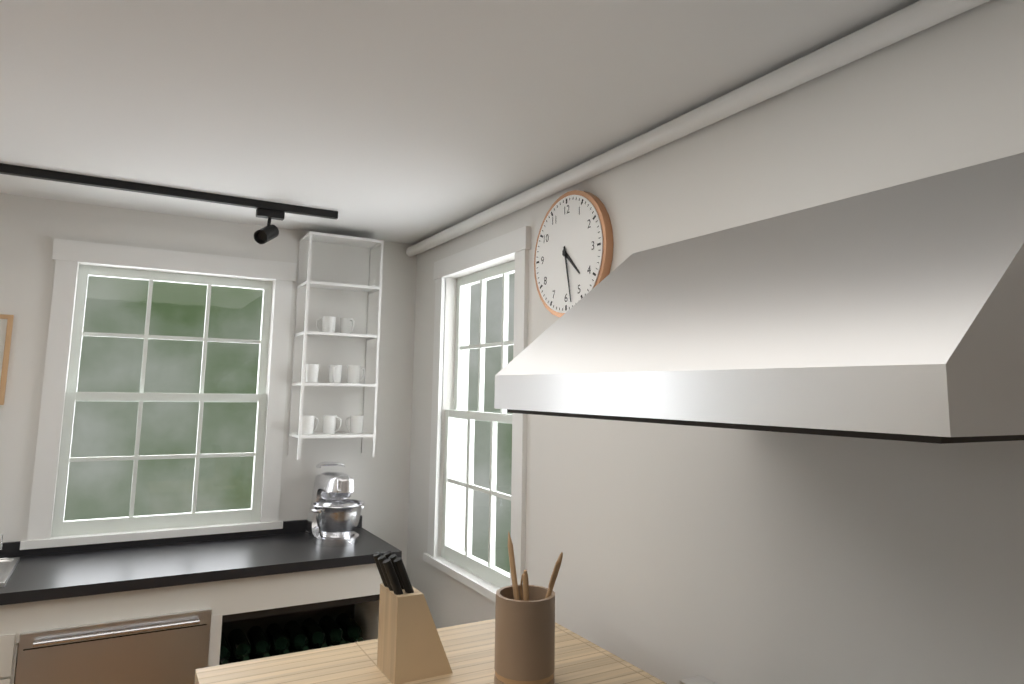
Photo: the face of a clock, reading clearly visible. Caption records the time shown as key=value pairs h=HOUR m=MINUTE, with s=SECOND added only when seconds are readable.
h=4 m=28
